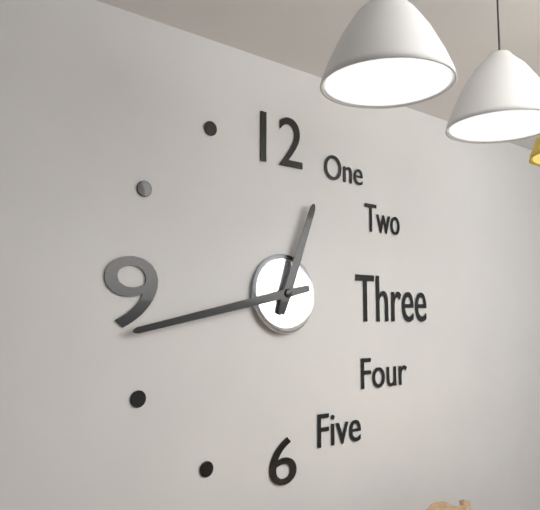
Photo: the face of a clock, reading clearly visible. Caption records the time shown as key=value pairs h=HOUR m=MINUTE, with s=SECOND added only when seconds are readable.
h=12 m=43
